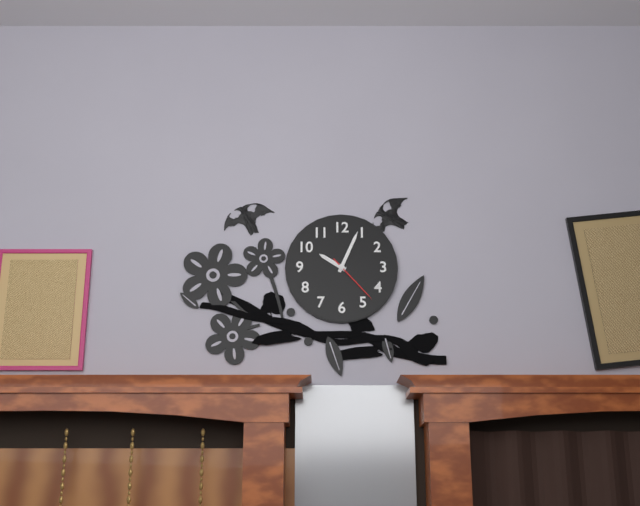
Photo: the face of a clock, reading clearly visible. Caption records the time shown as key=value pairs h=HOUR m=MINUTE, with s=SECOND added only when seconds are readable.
h=10 m=4 s=23
